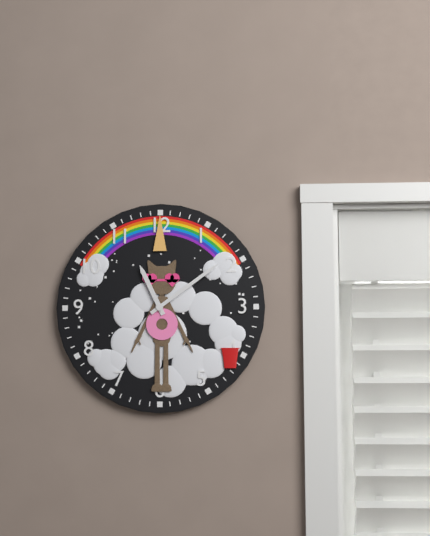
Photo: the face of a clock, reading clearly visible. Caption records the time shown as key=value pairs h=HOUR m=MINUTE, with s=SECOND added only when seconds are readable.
h=11 m=9
